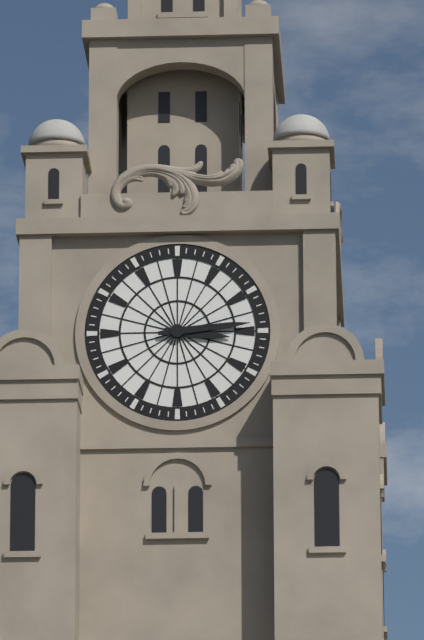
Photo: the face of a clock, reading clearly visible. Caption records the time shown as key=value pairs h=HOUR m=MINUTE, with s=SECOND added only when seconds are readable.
h=3 m=14
